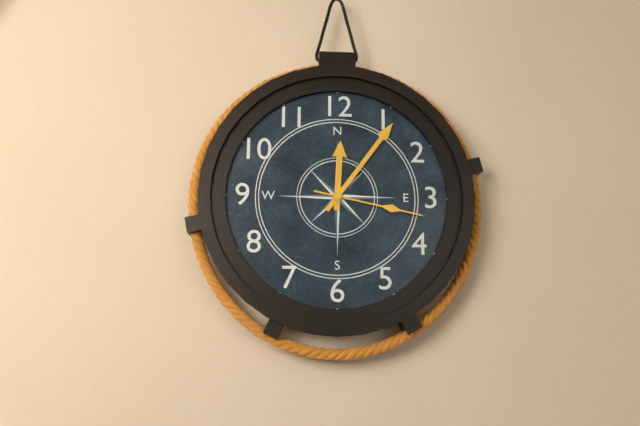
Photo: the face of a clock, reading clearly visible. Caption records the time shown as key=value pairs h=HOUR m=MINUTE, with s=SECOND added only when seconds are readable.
h=12 m=6 s=17
